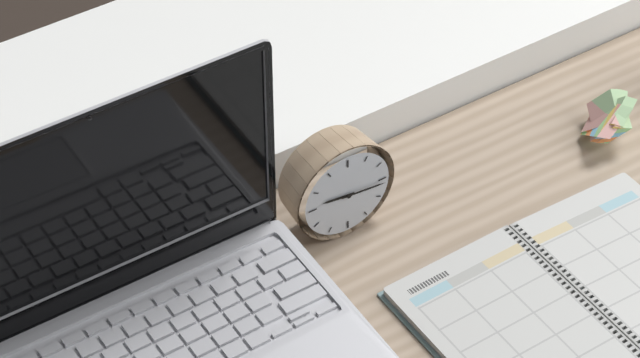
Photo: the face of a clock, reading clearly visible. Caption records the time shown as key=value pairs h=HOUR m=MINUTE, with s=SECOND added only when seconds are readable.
h=9 m=16
